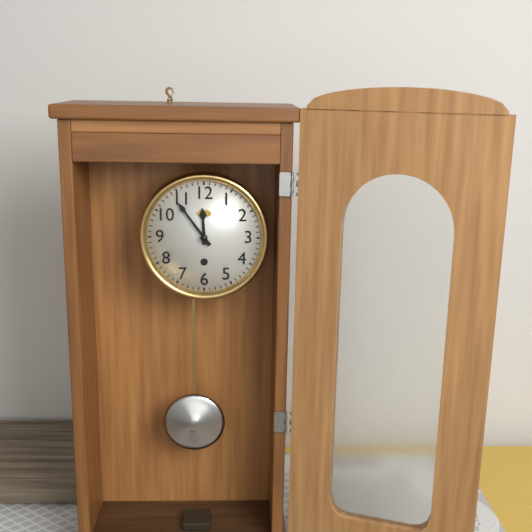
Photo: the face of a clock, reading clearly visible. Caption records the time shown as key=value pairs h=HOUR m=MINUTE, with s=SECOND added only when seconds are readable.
h=11 m=54
